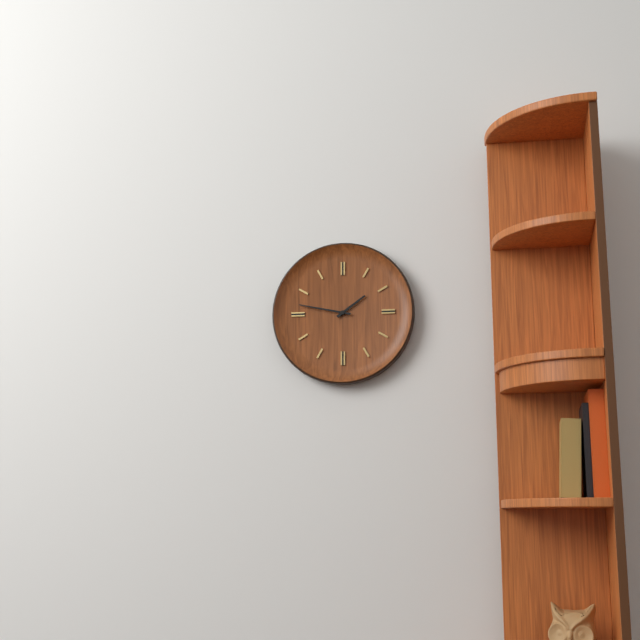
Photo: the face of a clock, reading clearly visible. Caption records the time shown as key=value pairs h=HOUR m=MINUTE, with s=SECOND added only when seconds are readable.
h=1 m=47
